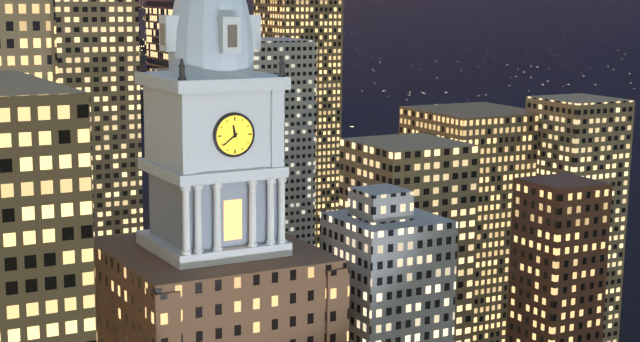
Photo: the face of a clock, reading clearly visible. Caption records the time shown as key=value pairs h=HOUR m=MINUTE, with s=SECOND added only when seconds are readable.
h=11 m=39
